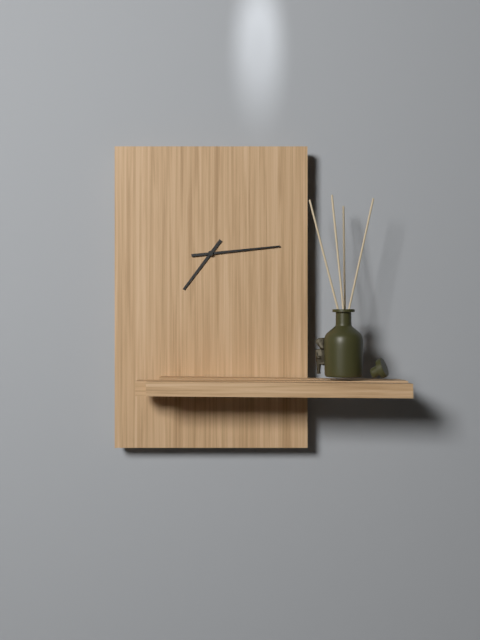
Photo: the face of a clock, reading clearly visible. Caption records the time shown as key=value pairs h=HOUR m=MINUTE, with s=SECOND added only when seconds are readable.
h=7 m=14
